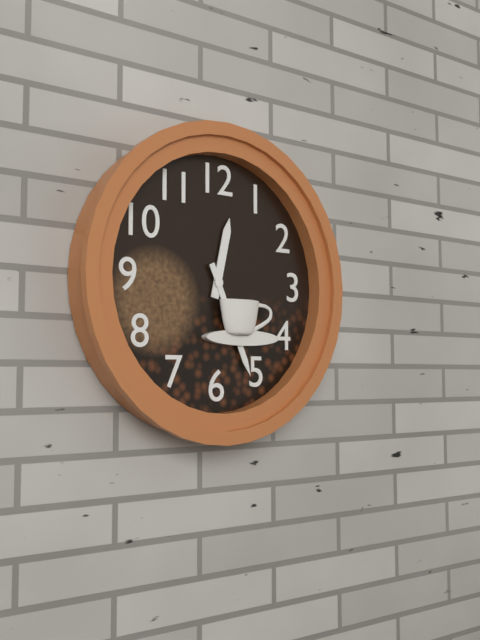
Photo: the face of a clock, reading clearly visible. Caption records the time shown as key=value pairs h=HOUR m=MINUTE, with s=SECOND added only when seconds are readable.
h=12 m=26
